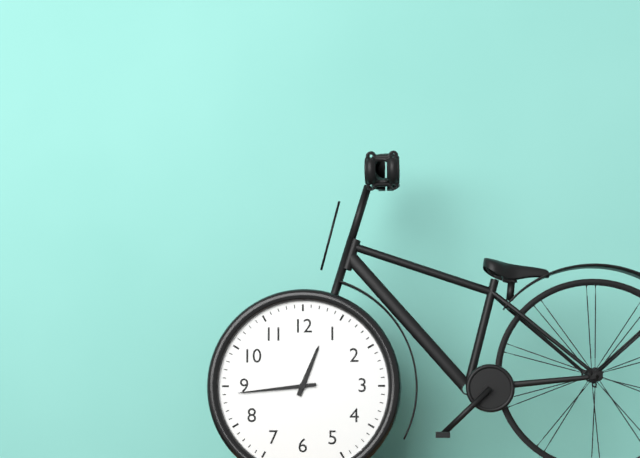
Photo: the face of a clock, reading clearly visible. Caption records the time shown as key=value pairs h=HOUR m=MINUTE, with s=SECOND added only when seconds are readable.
h=12 m=44
